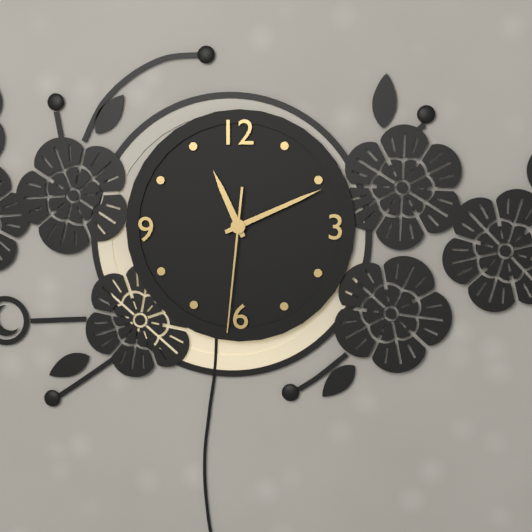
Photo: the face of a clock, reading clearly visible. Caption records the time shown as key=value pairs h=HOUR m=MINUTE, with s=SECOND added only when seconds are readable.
h=11 m=11 s=31
